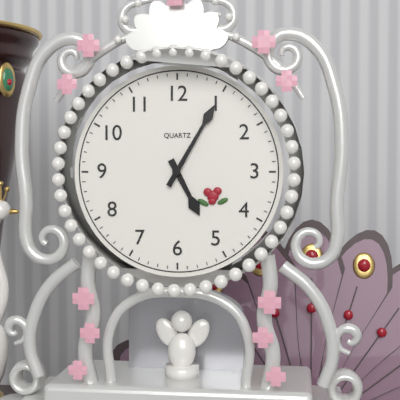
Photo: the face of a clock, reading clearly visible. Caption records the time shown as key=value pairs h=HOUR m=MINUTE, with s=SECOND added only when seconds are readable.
h=5 m=5
